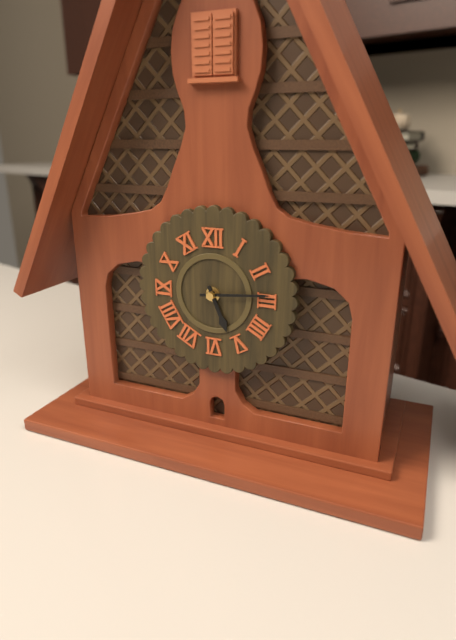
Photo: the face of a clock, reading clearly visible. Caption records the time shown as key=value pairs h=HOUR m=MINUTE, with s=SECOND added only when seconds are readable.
h=5 m=14
